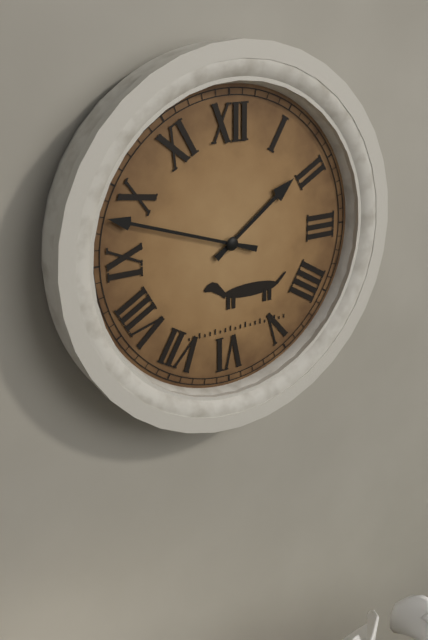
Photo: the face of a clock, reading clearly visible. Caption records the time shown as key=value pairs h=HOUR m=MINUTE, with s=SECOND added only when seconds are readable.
h=1 m=48
